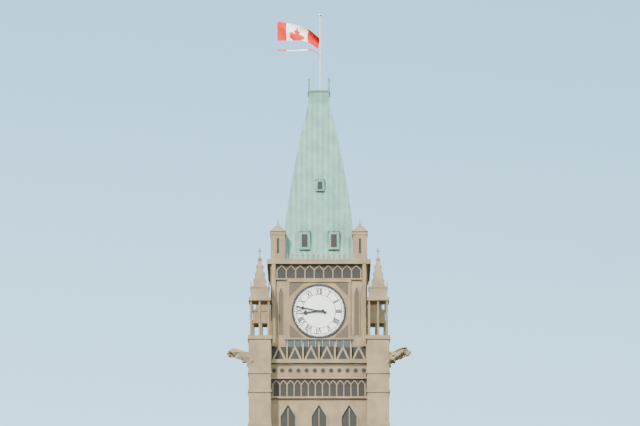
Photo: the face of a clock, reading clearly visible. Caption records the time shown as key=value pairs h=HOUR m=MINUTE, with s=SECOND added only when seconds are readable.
h=8 m=47
